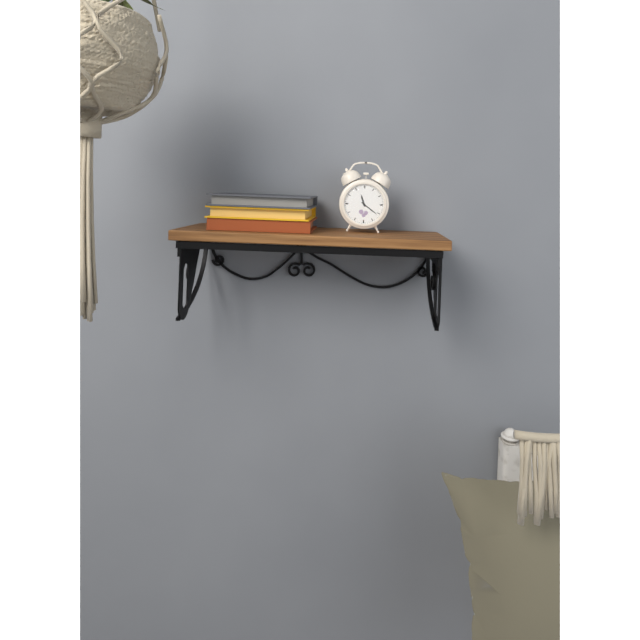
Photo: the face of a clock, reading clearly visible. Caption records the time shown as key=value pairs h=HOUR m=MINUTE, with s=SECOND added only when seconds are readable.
h=11 m=21
